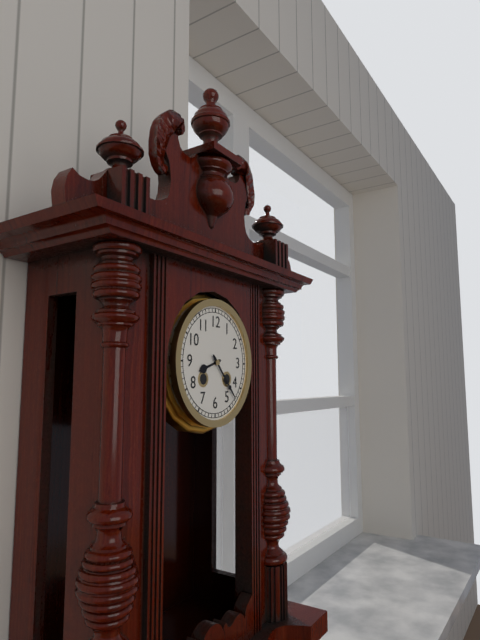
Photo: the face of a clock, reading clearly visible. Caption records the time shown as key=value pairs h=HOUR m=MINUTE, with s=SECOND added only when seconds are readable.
h=8 m=23
